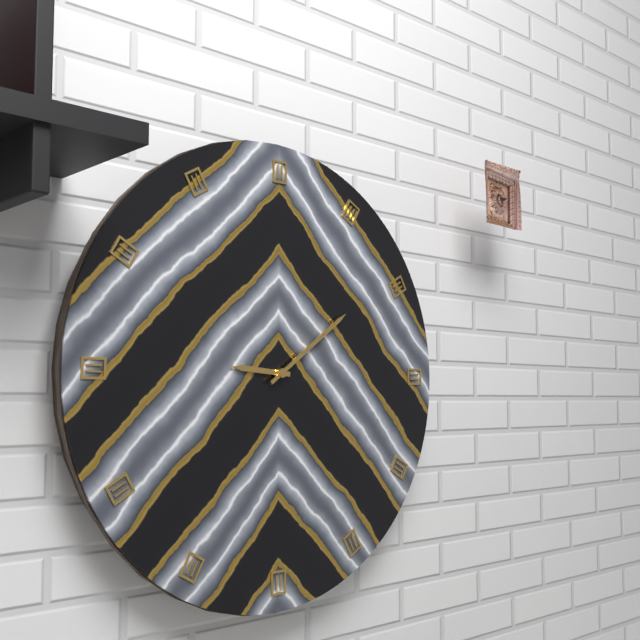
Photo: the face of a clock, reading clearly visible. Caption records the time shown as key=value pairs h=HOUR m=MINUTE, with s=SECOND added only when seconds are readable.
h=9 m=9
